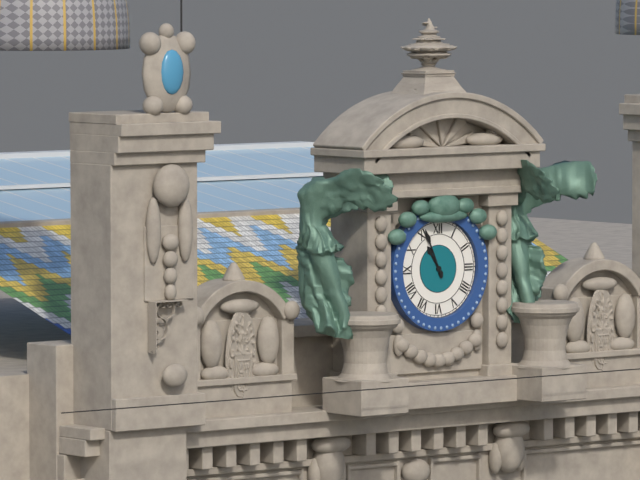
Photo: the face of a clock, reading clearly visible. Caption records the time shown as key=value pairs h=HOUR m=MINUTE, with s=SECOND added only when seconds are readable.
h=10 m=56
